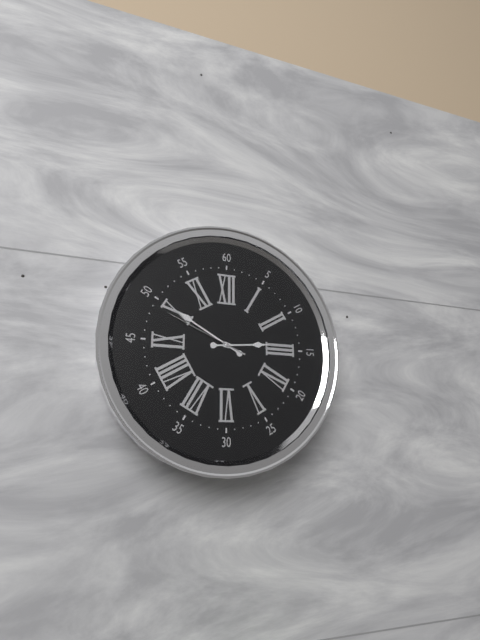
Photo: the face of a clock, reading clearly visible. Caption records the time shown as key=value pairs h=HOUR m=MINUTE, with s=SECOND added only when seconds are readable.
h=2 m=50 s=49
